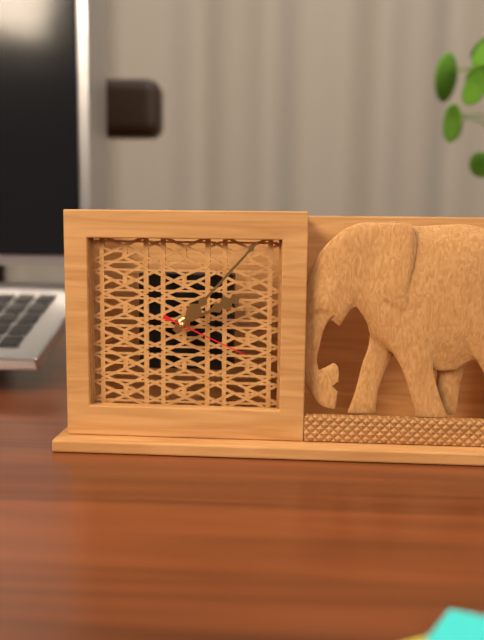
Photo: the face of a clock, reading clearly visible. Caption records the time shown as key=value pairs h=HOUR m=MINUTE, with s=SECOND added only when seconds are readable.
h=2 m=7 s=19
